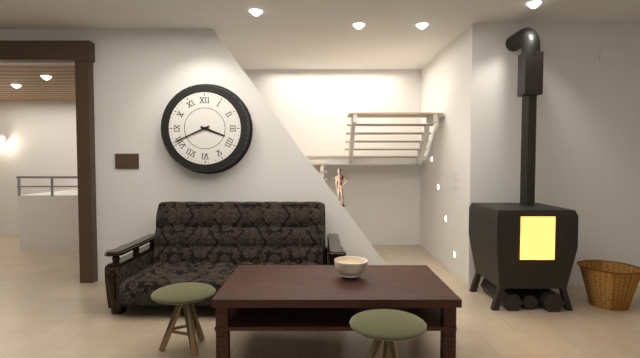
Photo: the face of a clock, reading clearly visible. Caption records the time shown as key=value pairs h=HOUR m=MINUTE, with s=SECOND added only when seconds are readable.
h=3 m=41
